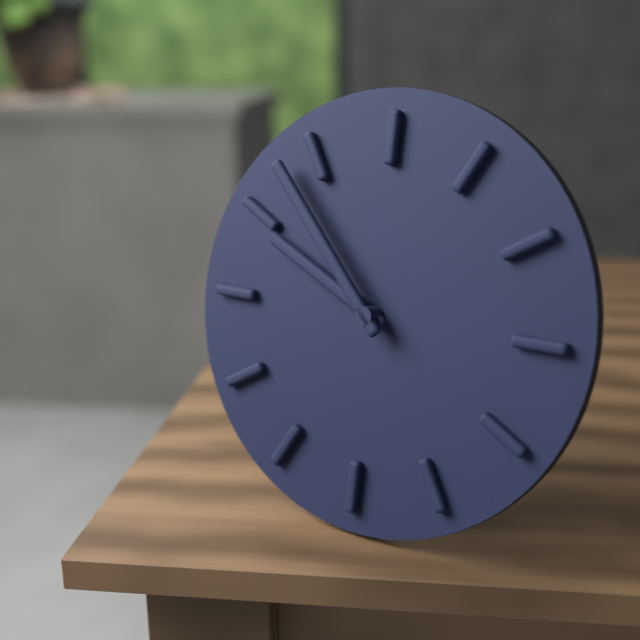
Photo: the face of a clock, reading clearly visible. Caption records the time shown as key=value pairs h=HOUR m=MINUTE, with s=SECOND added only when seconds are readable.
h=9 m=53
